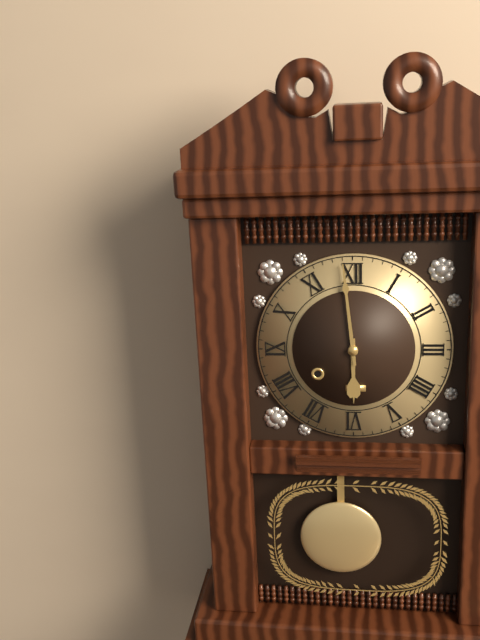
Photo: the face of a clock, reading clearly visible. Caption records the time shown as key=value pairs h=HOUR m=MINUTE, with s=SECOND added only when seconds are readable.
h=5 m=59
